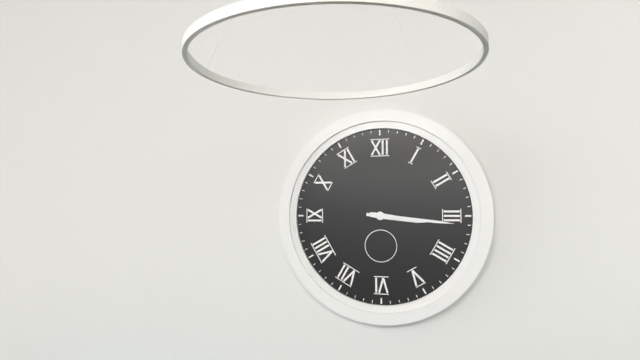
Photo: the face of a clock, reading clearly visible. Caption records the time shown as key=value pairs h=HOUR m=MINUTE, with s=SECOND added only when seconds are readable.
h=3 m=16
